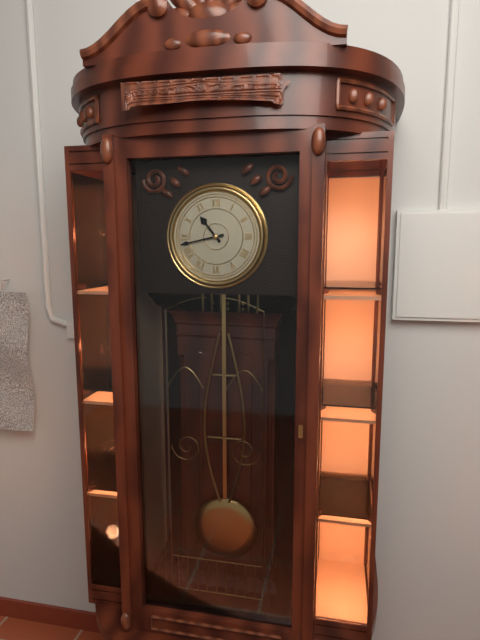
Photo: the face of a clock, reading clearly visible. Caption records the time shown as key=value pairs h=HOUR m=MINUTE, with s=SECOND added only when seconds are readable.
h=10 m=43
